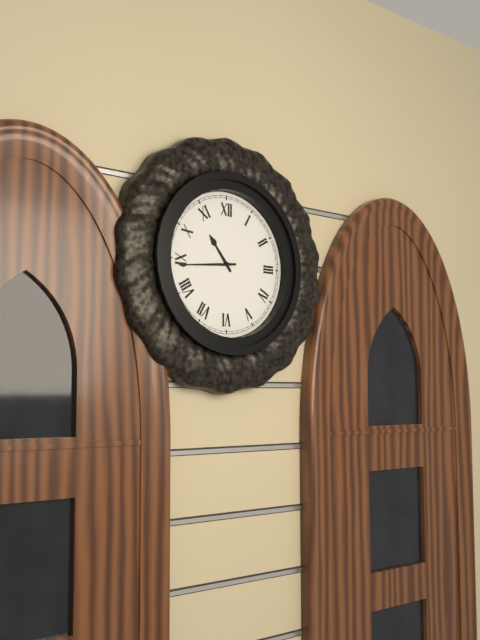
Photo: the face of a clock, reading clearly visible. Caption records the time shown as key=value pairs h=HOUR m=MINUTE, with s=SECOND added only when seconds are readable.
h=10 m=44
